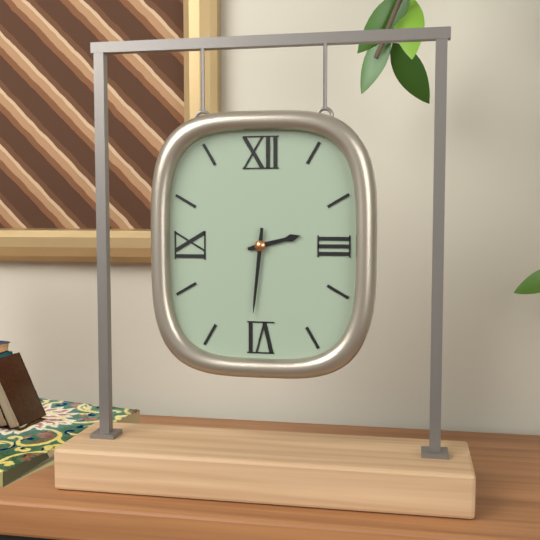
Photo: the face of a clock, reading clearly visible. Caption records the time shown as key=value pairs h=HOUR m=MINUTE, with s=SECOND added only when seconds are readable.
h=2 m=31
